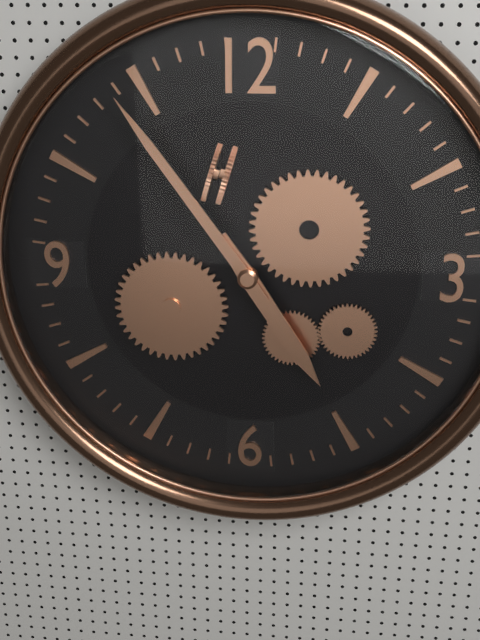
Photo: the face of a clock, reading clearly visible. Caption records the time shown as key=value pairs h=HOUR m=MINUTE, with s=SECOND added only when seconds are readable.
h=4 m=54
